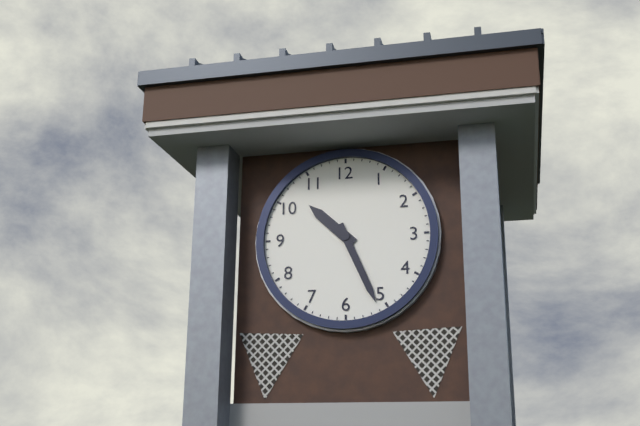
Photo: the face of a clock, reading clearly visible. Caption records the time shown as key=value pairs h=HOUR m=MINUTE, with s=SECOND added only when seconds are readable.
h=10 m=26
